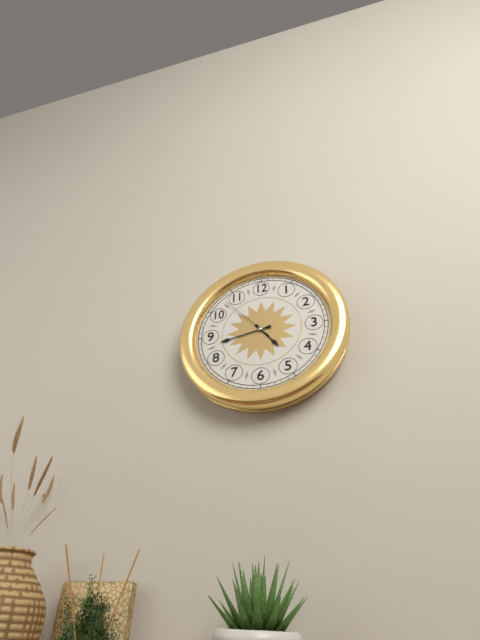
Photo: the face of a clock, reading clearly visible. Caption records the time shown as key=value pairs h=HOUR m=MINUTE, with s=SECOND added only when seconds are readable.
h=4 m=43 s=53
